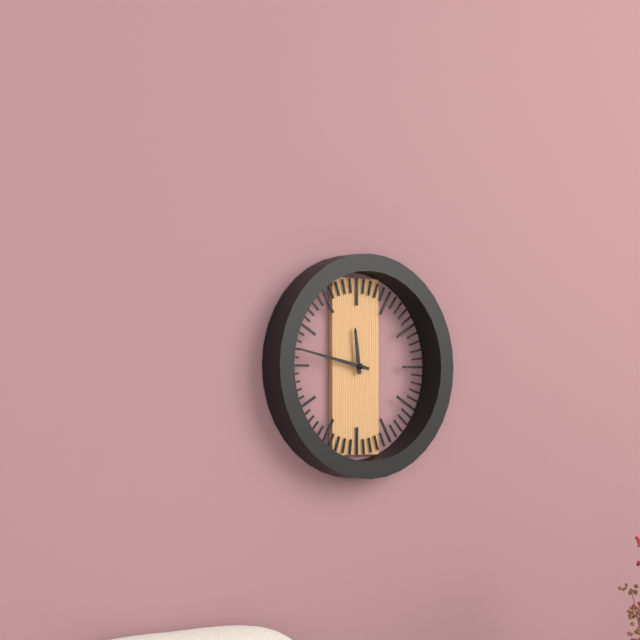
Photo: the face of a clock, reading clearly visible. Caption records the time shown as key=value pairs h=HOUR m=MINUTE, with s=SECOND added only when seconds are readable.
h=11 m=47
